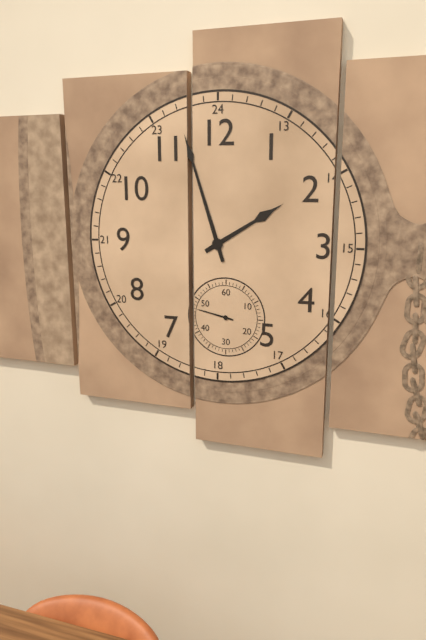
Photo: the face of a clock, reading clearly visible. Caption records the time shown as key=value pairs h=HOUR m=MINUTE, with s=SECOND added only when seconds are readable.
h=1 m=57
